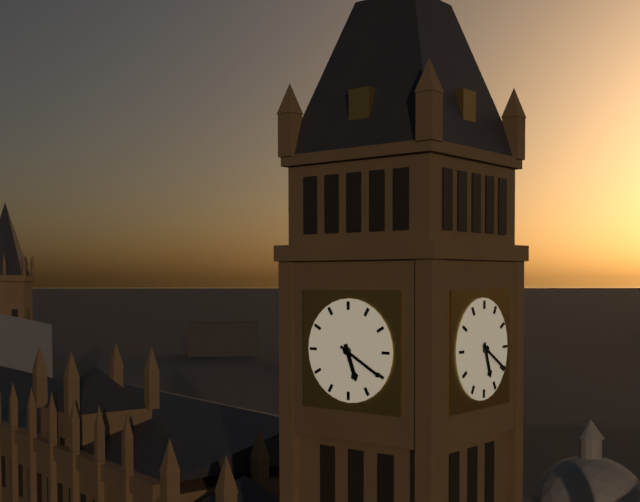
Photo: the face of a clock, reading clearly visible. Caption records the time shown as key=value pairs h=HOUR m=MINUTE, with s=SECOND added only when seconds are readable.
h=5 m=20
